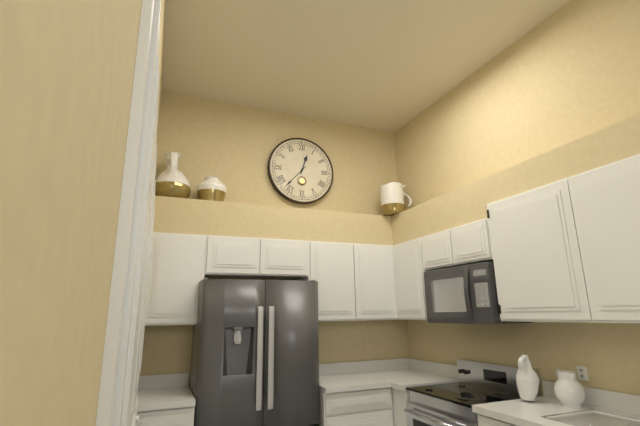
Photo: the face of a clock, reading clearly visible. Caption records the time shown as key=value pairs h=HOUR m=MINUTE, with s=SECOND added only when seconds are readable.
h=12 m=37
